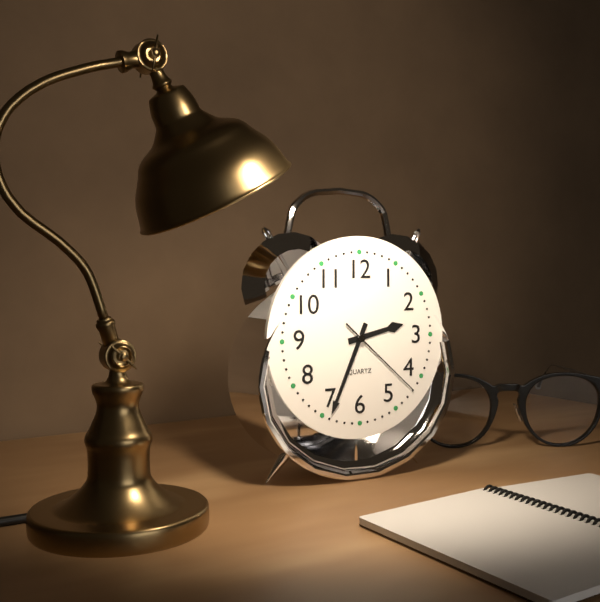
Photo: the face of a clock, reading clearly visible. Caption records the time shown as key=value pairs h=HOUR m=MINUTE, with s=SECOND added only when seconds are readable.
h=2 m=34 s=22
